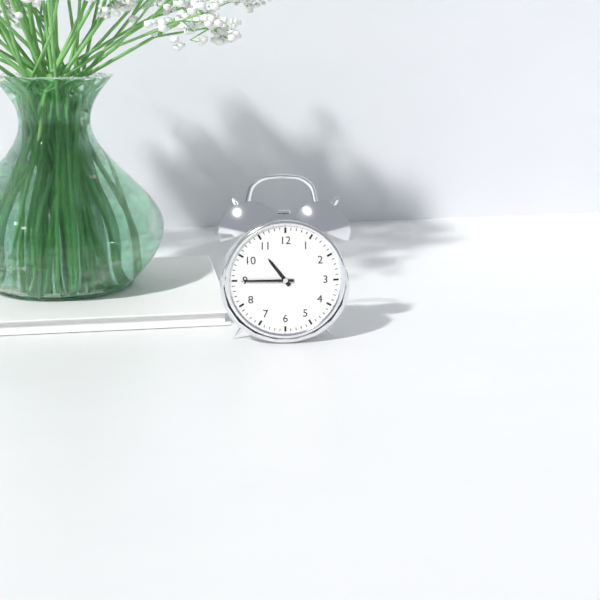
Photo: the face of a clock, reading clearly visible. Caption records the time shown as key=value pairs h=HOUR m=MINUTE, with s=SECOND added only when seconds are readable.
h=10 m=45
